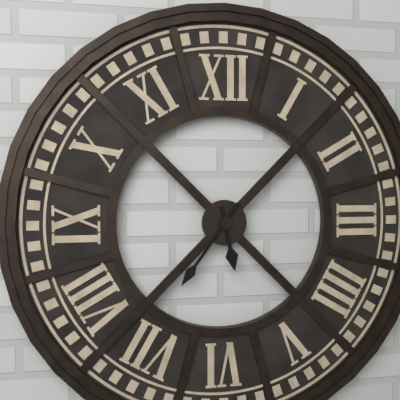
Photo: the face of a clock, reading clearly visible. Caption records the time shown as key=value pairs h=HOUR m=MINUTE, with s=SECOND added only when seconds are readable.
h=5 m=36
